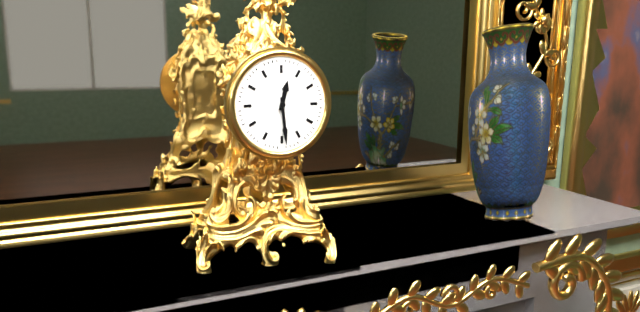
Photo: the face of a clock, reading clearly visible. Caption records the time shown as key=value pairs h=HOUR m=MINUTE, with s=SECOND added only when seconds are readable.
h=12 m=29
